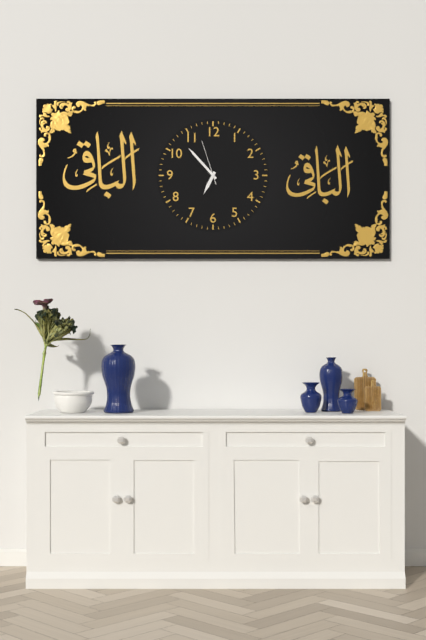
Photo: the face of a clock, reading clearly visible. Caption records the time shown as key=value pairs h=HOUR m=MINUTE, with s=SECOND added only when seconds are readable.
h=6 m=53
